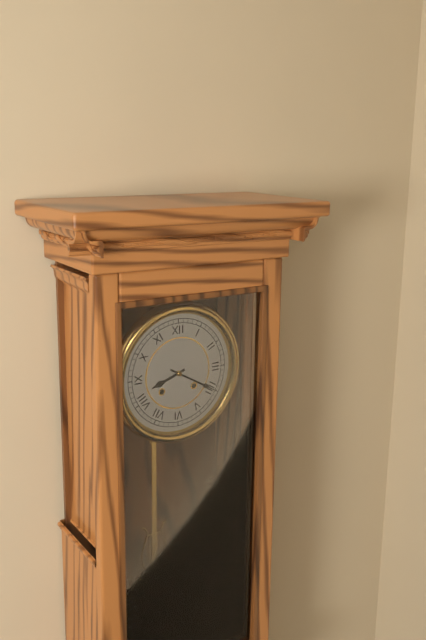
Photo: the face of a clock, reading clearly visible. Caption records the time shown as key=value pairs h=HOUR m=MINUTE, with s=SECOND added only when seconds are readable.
h=8 m=20
